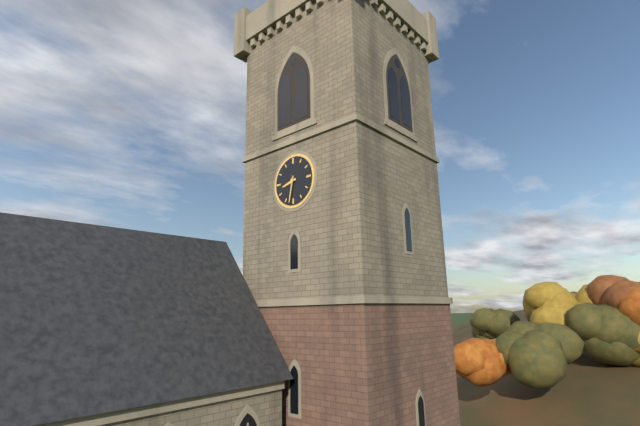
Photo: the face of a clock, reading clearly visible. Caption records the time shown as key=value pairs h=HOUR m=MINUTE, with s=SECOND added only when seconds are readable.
h=8 m=32
